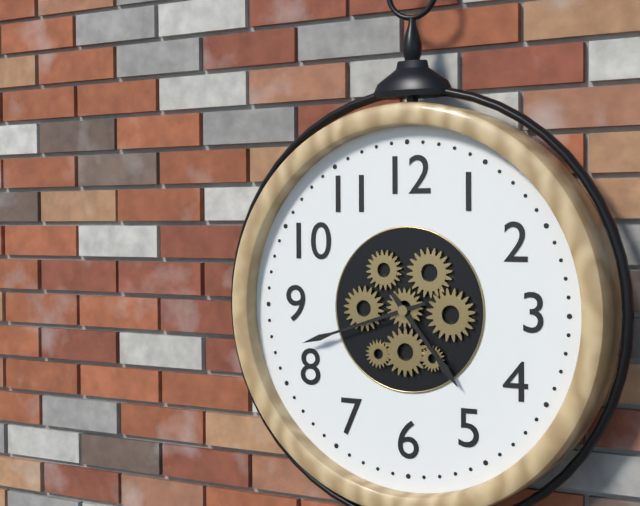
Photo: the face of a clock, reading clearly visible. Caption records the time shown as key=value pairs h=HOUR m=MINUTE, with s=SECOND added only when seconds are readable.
h=4 m=42
